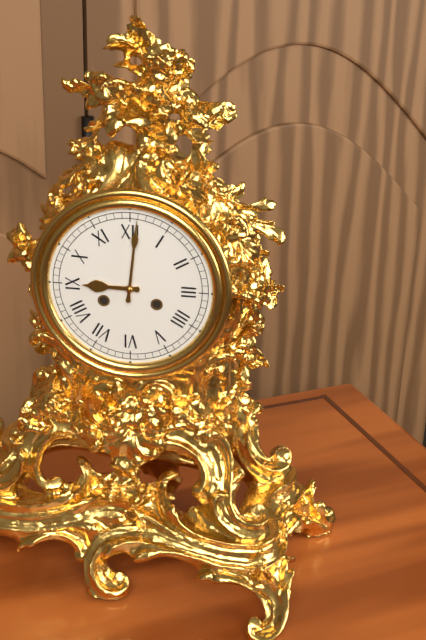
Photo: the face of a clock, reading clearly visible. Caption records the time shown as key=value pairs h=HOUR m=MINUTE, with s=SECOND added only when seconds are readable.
h=9 m=1
